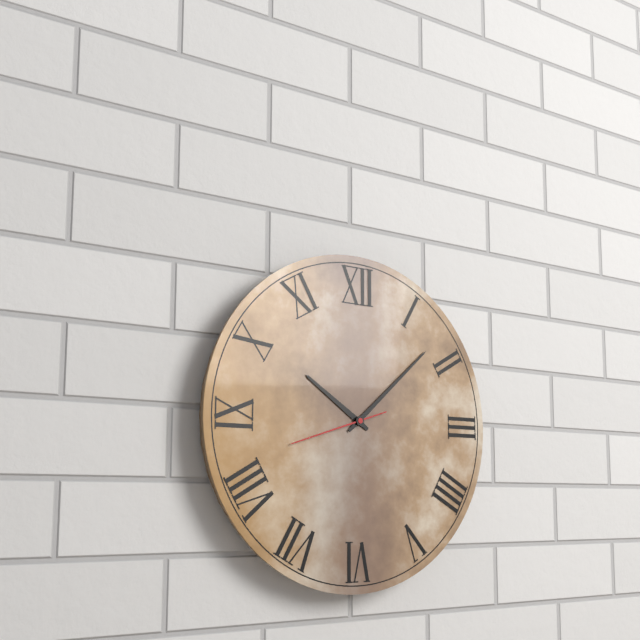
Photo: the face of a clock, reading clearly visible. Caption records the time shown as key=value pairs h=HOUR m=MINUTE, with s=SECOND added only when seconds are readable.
h=10 m=8 s=42
